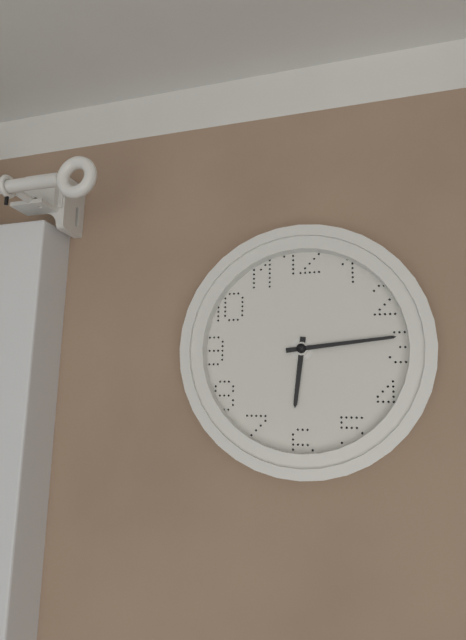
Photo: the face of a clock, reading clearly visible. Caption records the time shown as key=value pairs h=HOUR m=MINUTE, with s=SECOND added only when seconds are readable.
h=6 m=14
